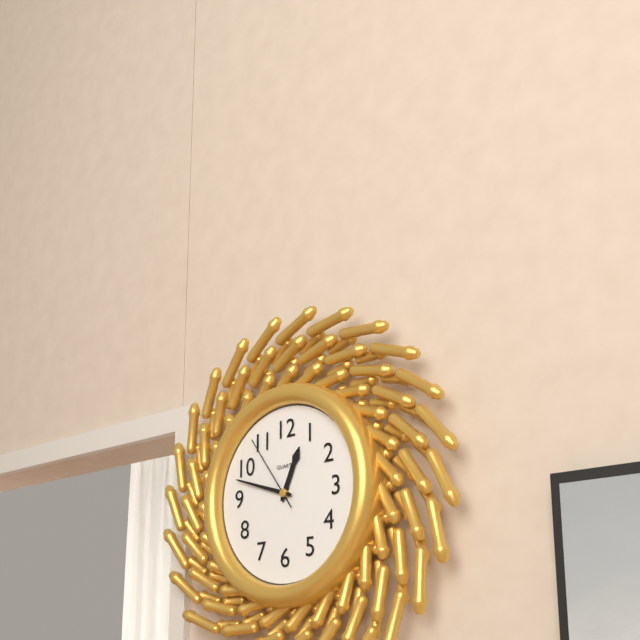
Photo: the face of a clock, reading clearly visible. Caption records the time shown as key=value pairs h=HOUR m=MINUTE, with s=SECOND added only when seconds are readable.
h=12 m=48 s=54
